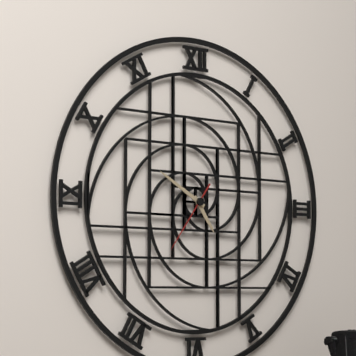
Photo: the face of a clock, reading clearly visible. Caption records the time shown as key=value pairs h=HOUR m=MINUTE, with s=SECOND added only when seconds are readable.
h=4 m=50 s=36
